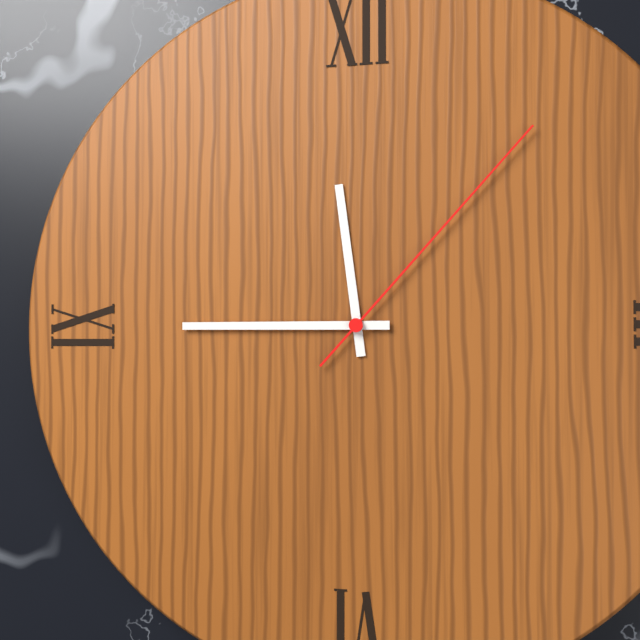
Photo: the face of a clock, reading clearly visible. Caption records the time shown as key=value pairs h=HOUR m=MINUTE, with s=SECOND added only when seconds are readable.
h=11 m=45 s=7
